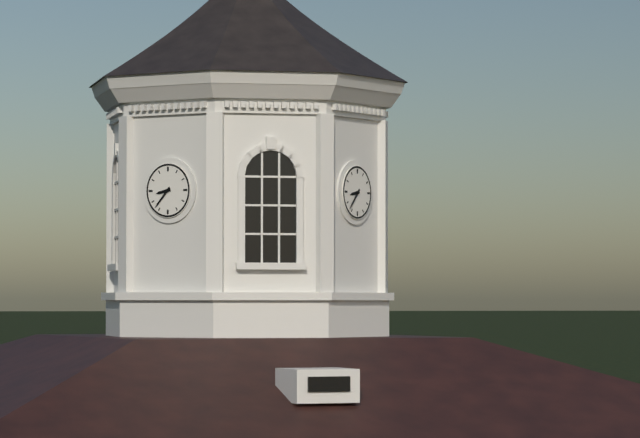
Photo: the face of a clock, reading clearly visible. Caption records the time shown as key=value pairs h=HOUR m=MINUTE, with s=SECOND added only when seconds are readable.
h=8 m=37
